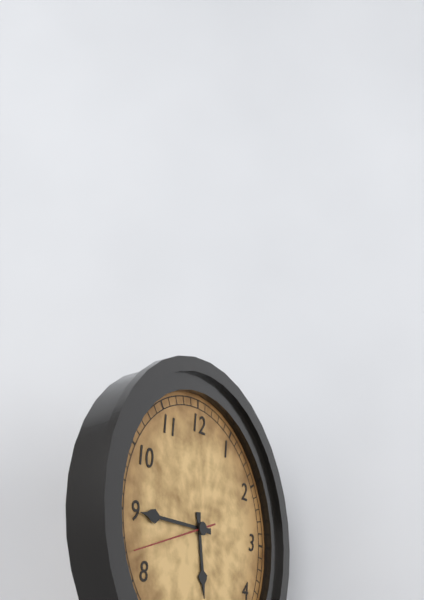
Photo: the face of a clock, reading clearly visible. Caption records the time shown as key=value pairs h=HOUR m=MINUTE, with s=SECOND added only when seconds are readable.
h=5 m=45 s=42
